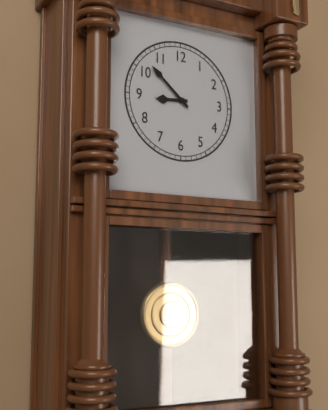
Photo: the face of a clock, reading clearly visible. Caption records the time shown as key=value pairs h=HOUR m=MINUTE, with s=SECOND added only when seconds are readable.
h=8 m=52
